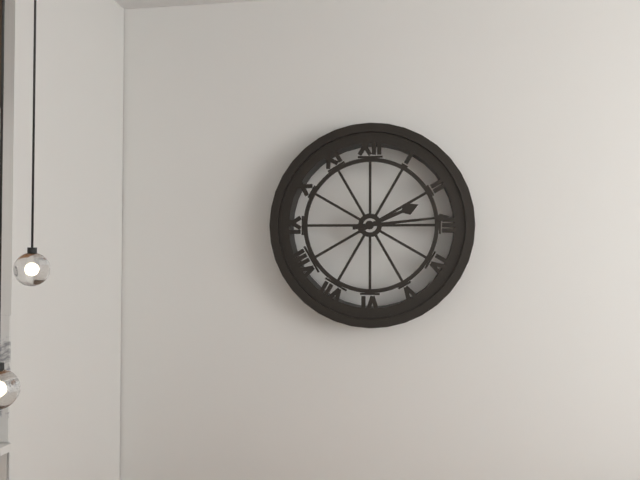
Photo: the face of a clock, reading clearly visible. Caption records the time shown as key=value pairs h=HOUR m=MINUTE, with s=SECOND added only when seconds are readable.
h=2 m=14
